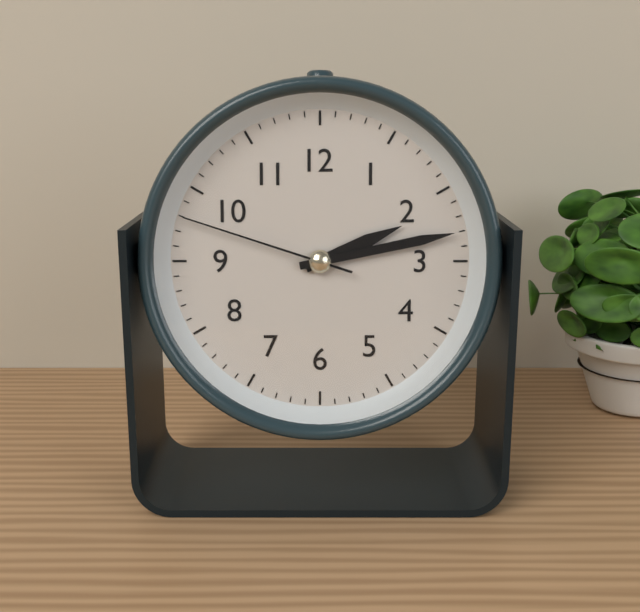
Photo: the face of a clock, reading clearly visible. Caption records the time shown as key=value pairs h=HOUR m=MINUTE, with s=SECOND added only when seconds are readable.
h=2 m=13 s=48
